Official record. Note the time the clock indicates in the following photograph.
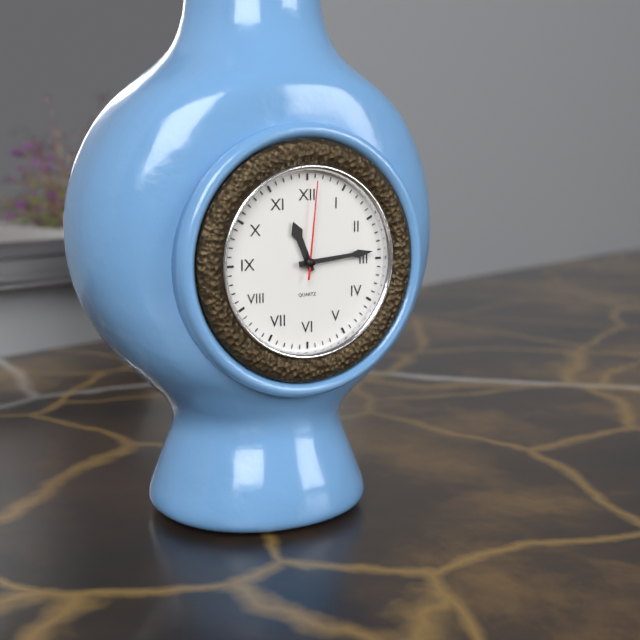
11:14:01
